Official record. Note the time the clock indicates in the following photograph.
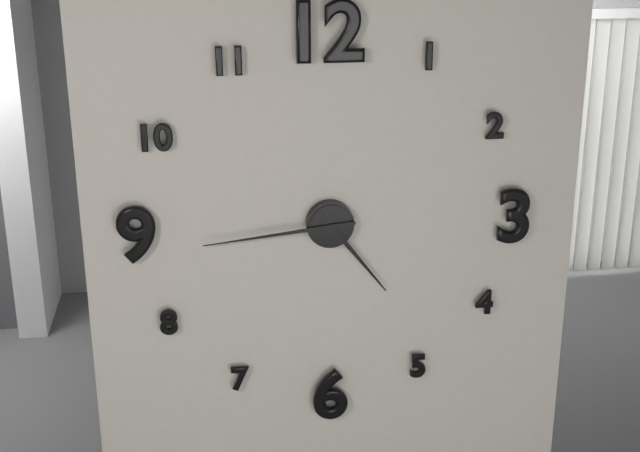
4:44
